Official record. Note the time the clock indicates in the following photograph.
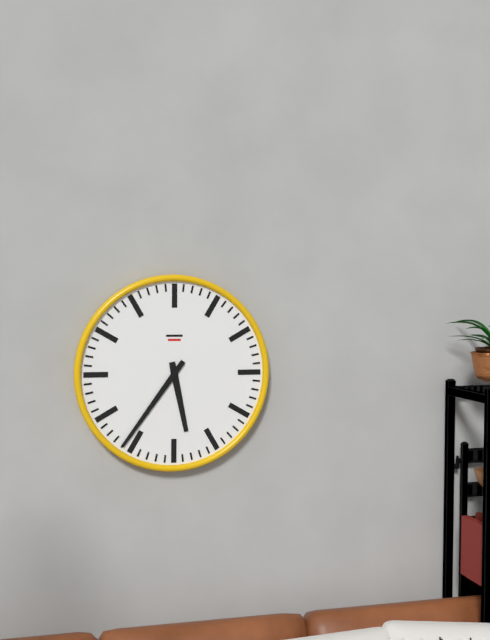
5:36
